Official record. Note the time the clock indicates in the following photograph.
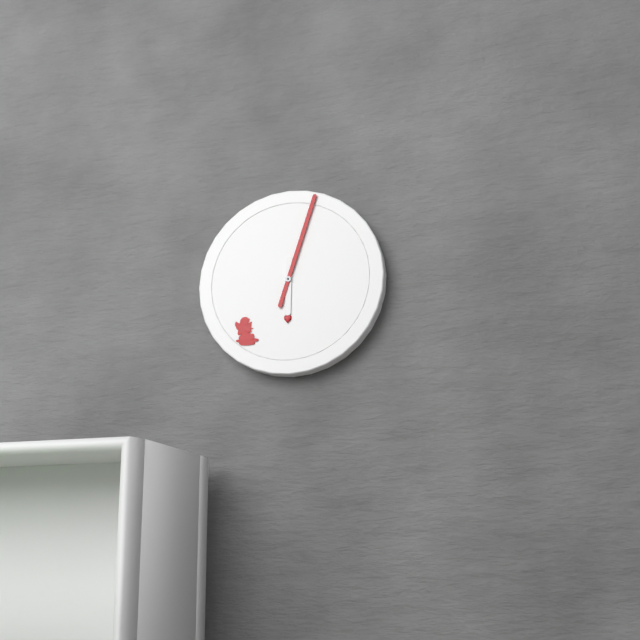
6:03
